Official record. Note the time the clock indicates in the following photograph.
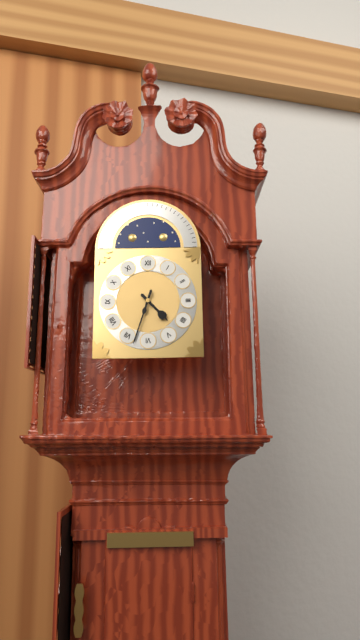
4:33
